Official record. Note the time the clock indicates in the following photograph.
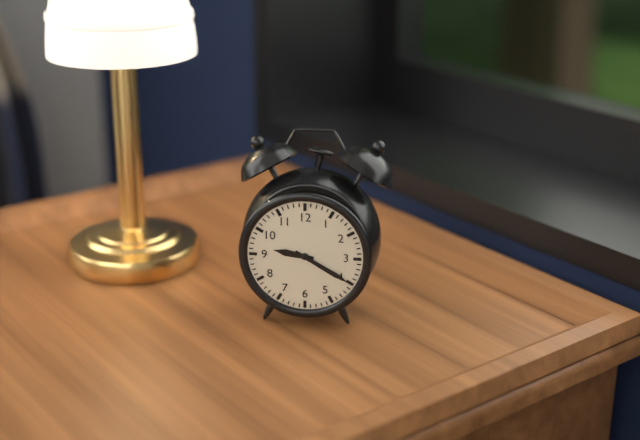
9:20
